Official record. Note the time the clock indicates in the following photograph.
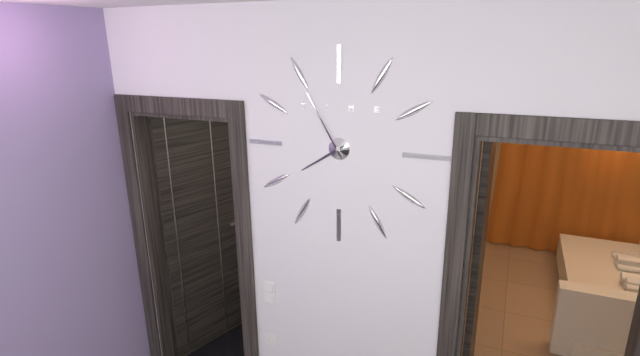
7:55
